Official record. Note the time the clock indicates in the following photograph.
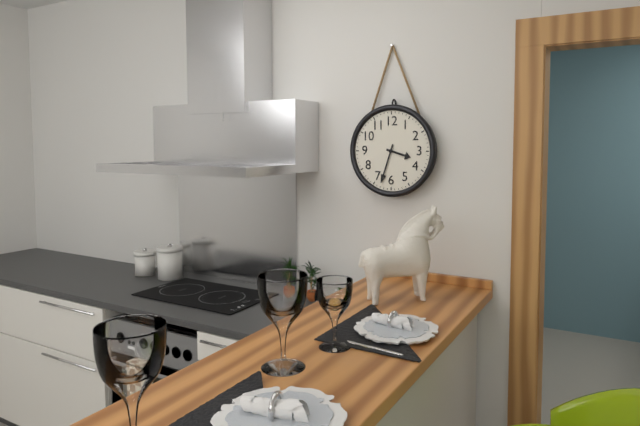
3:33
